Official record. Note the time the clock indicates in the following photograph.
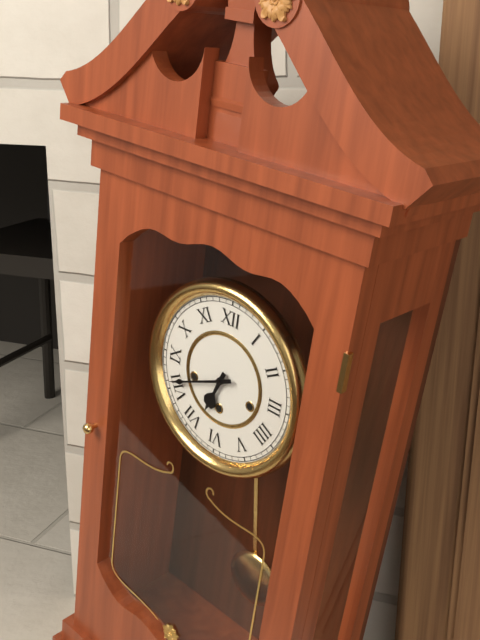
6:41
